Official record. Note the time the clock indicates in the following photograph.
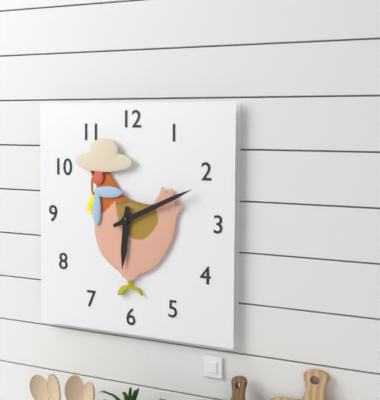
6:11
